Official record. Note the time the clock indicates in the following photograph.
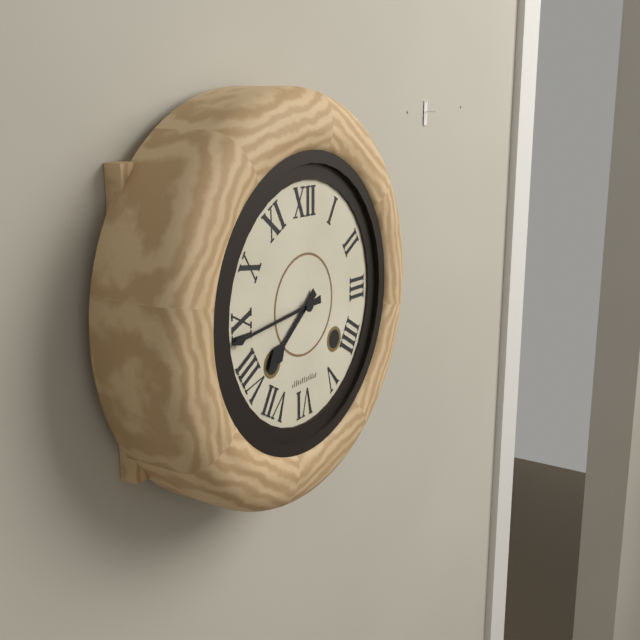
7:44
